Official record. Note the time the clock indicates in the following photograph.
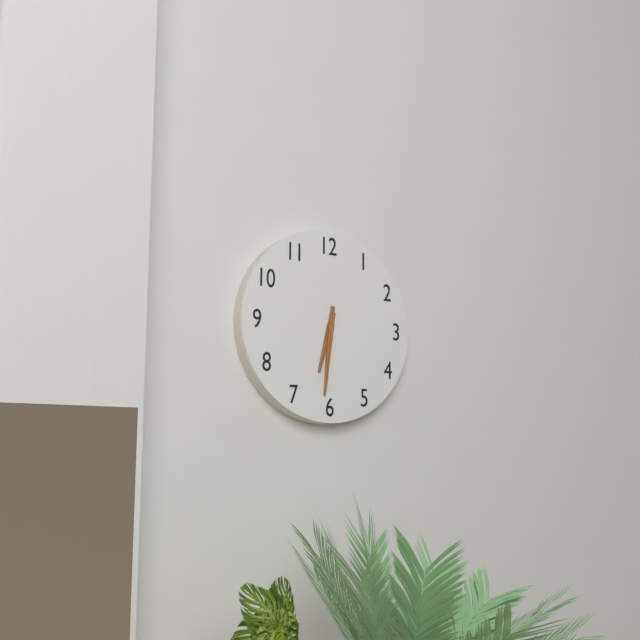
6:31
